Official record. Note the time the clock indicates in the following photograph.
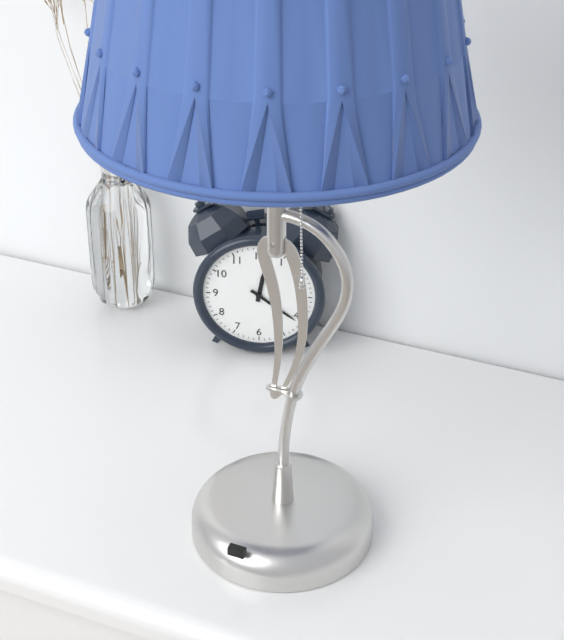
12:21
